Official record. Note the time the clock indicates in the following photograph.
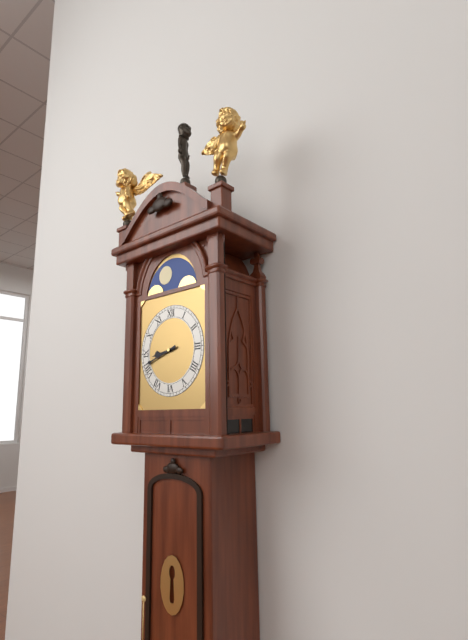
8:42
